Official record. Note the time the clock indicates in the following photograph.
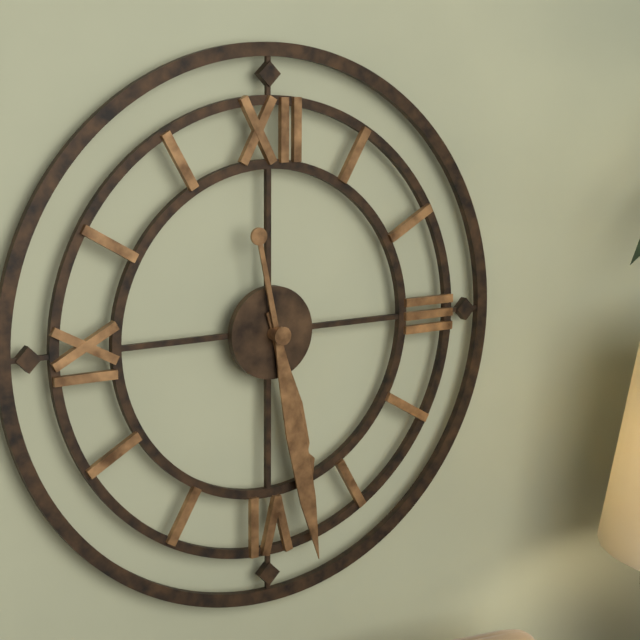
5:28
